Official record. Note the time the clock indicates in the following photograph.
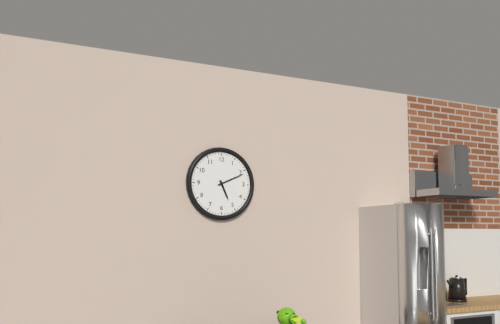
5:11
